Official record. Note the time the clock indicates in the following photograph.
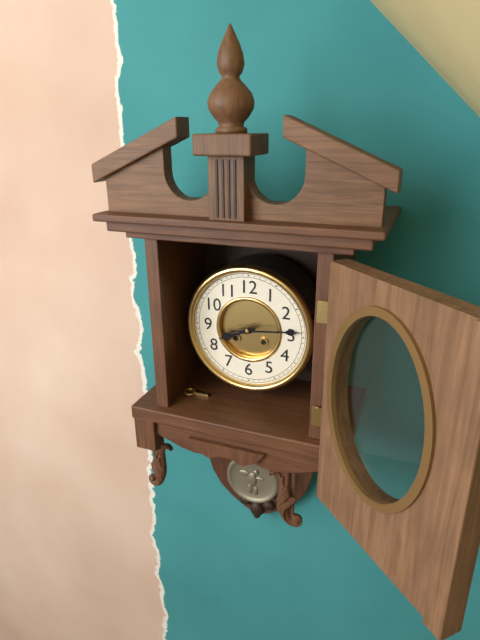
8:14
